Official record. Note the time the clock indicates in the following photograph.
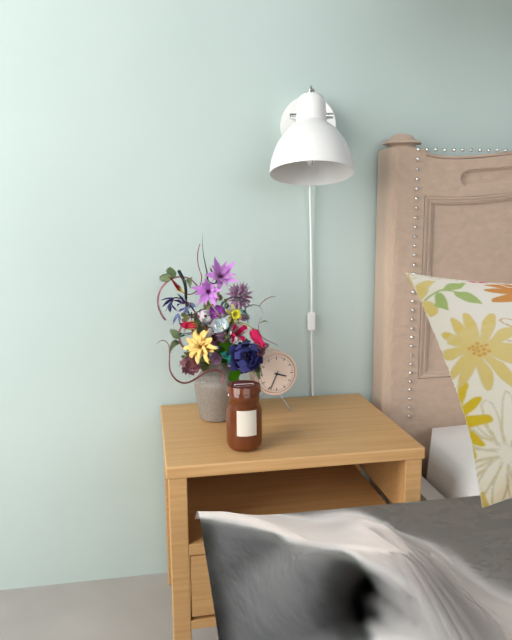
3:34
